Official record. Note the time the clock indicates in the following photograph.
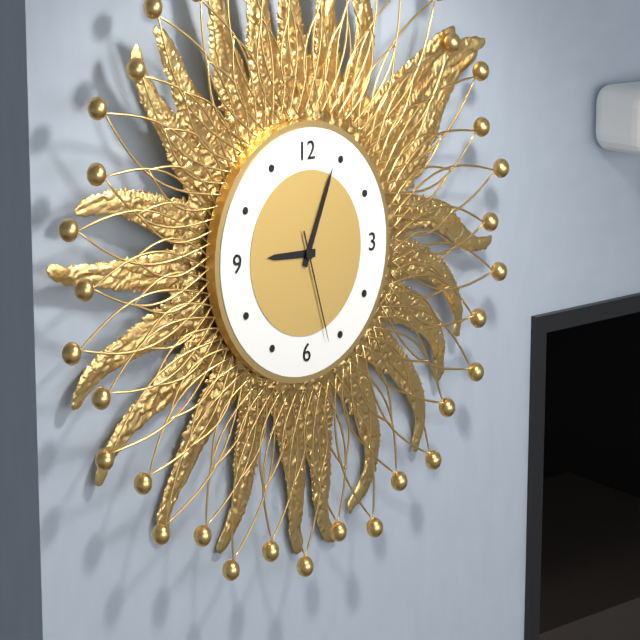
9:04:27
